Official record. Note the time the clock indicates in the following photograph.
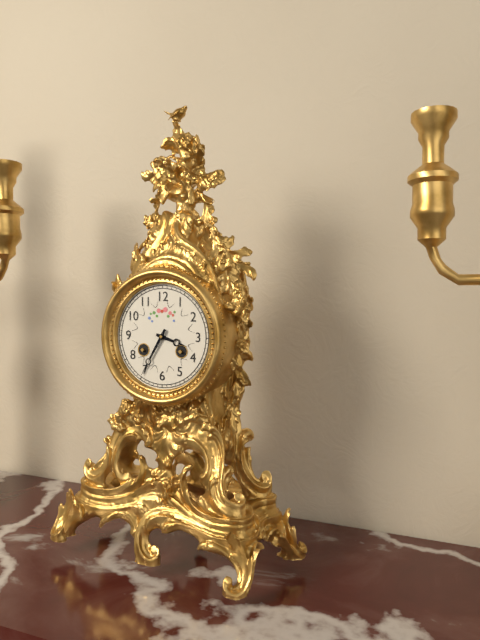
3:35
